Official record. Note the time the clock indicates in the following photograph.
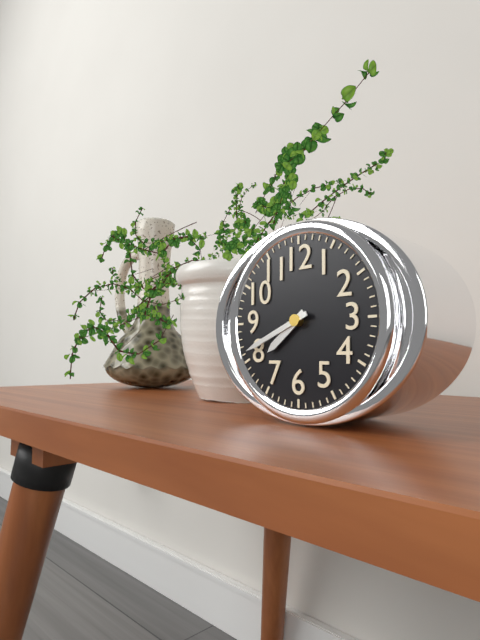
7:41
